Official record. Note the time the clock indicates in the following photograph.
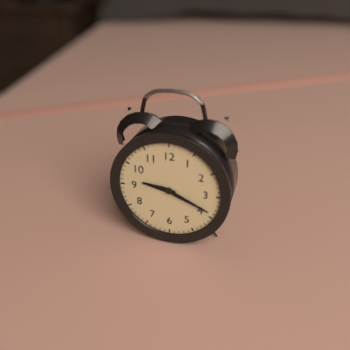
9:19
